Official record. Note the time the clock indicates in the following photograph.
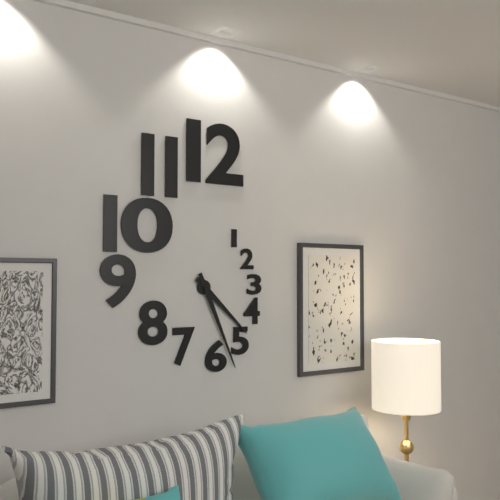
4:26
